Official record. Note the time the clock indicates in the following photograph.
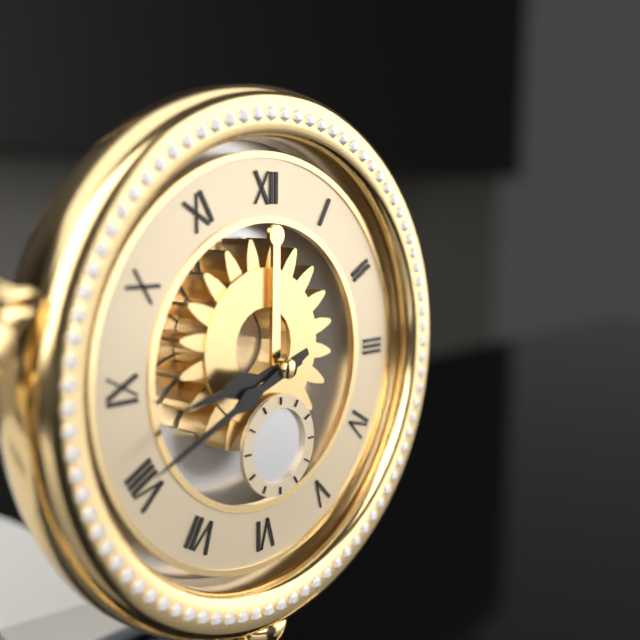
8:41
